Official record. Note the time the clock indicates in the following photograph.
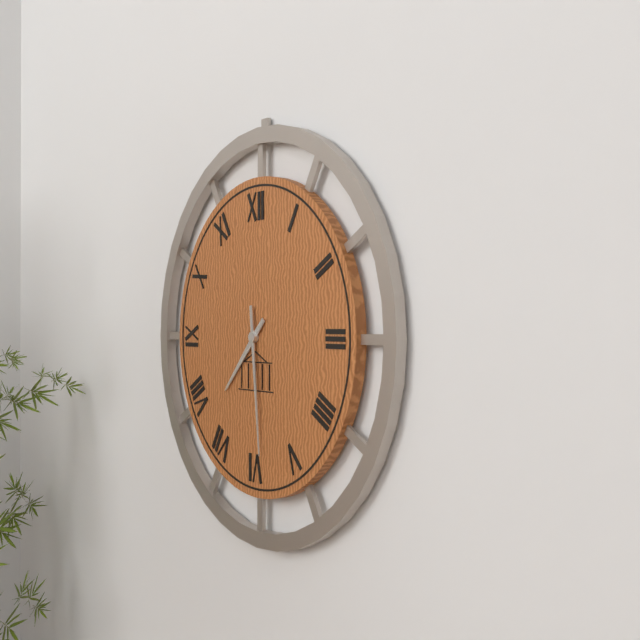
7:29
